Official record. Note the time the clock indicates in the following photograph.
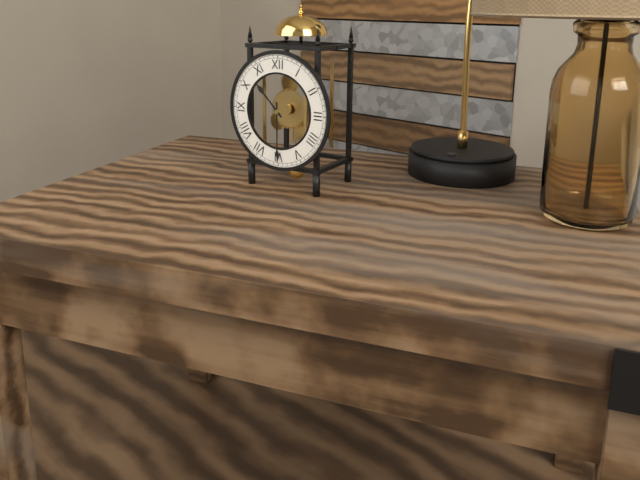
10:30
